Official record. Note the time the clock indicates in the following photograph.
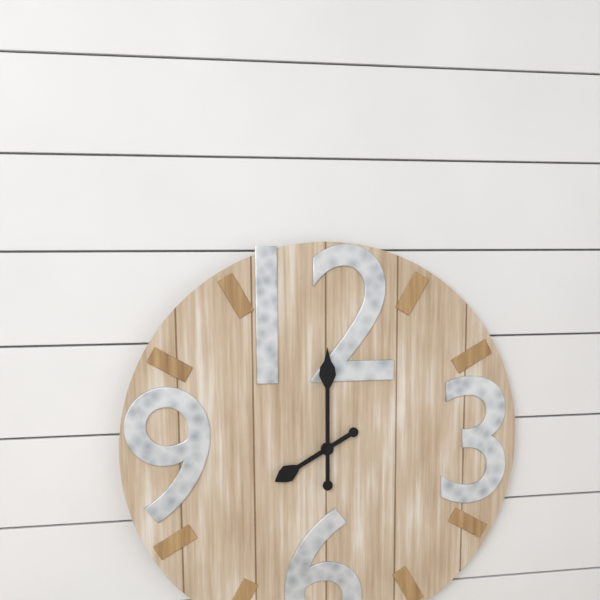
8:00
